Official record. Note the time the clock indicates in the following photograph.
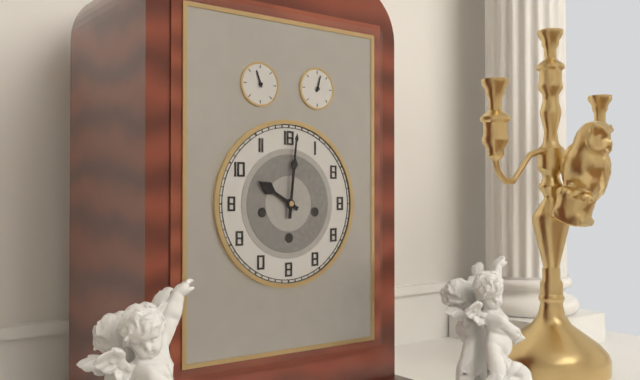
10:01
